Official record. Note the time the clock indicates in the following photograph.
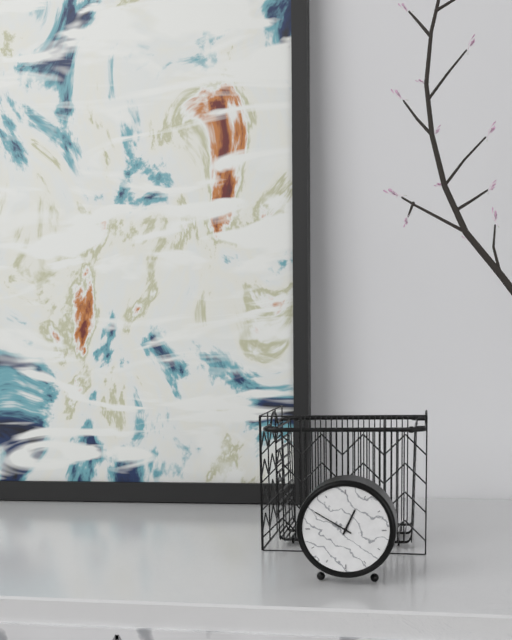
12:50
